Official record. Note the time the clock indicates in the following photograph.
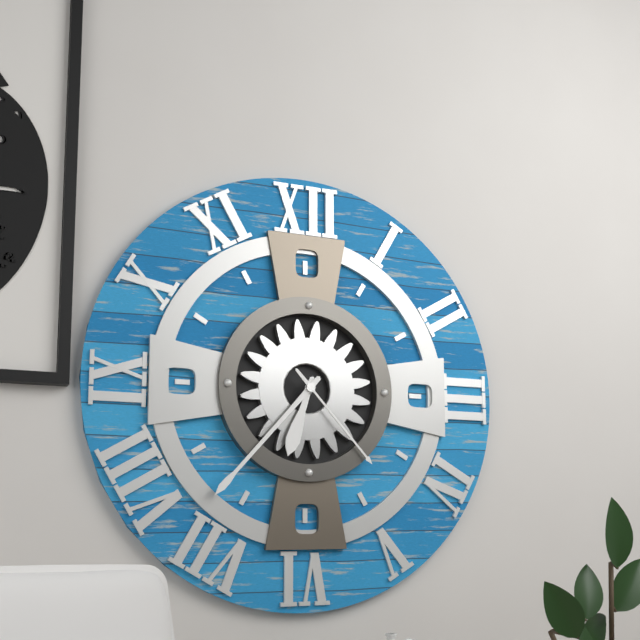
6:37:23
